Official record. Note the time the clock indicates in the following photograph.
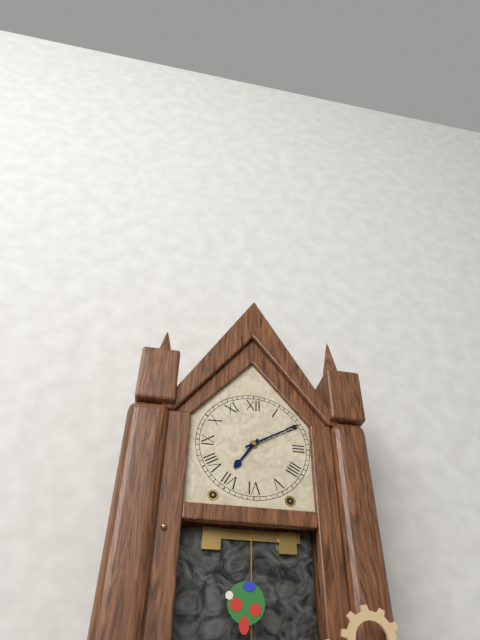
7:10
